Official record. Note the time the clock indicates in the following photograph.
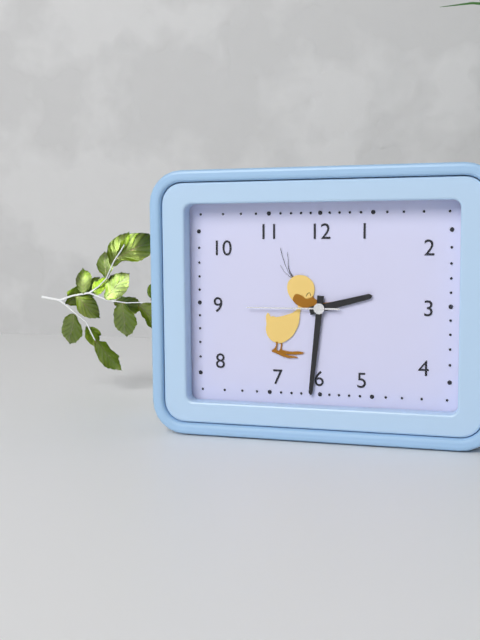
2:31:45
